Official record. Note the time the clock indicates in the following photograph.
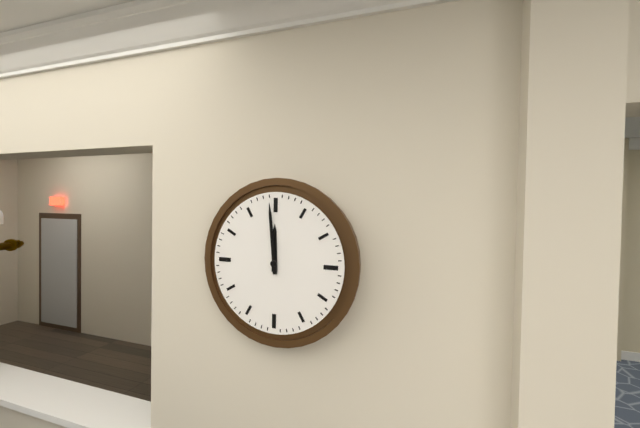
11:59
